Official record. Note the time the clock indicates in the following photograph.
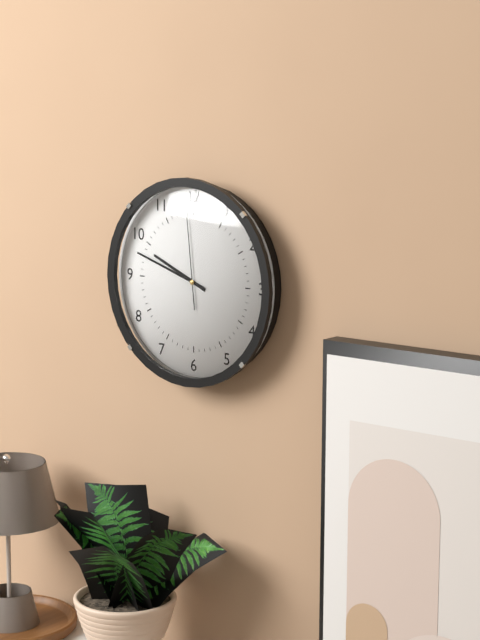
9:48:59
